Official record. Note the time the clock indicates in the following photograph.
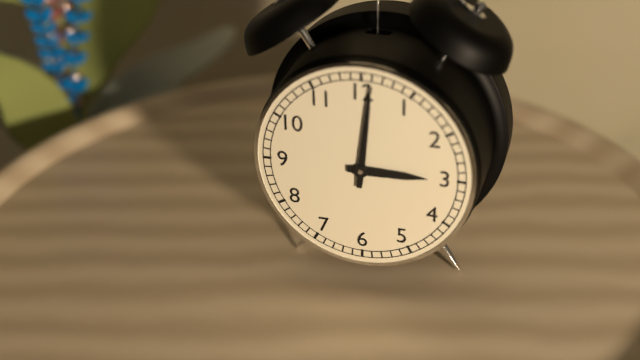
3:01
